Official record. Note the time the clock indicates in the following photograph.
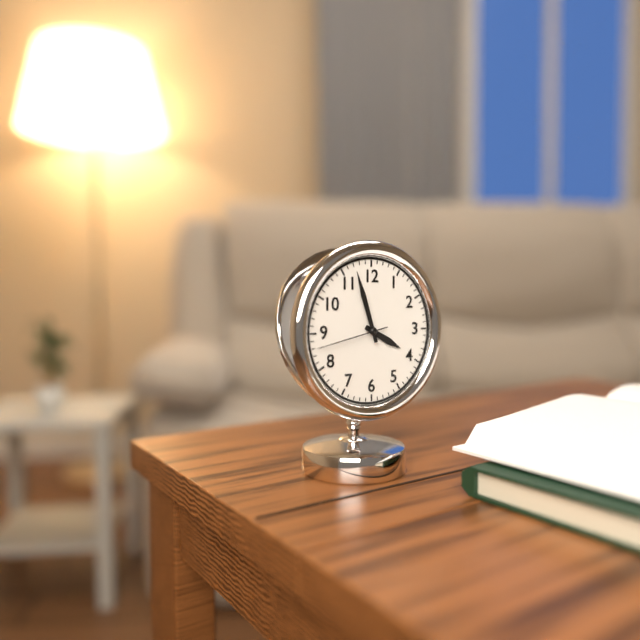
3:57:43
